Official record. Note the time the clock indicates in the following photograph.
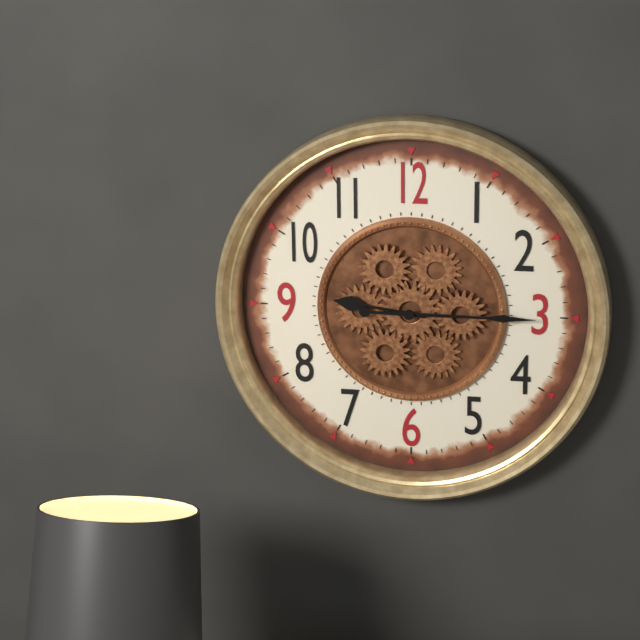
9:15
